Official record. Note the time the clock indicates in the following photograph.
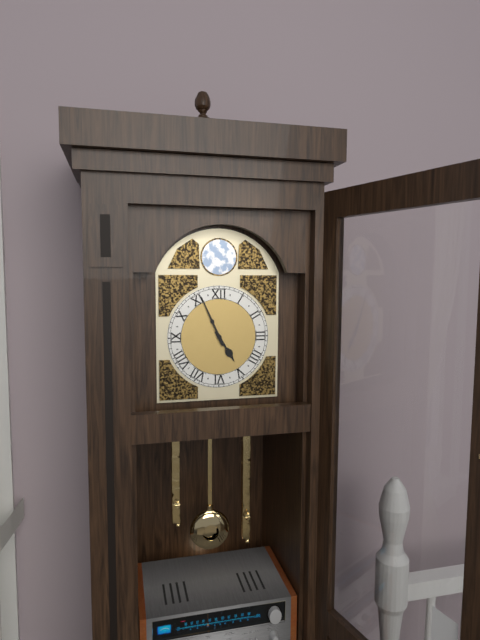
4:56
